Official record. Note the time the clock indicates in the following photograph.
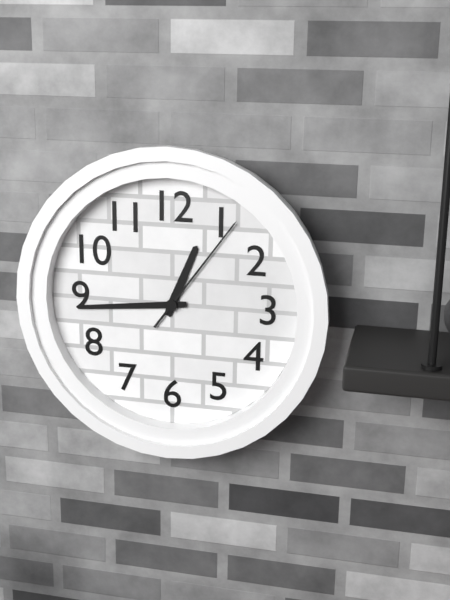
12:44:06
